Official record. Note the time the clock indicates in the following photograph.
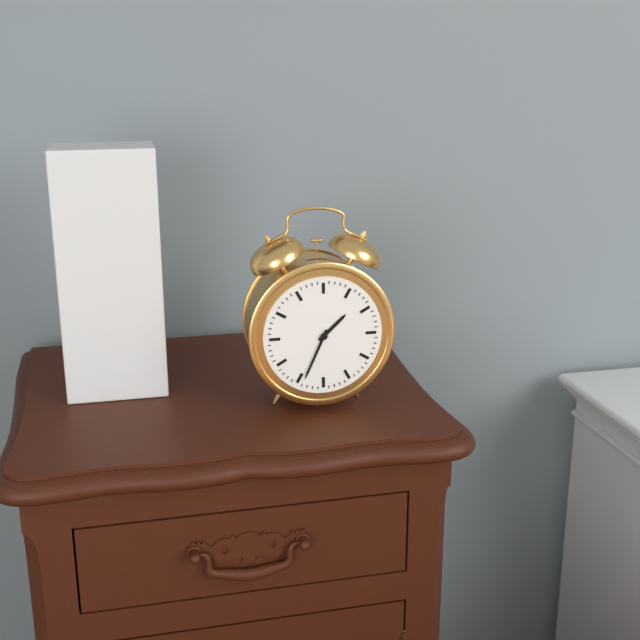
1:34
